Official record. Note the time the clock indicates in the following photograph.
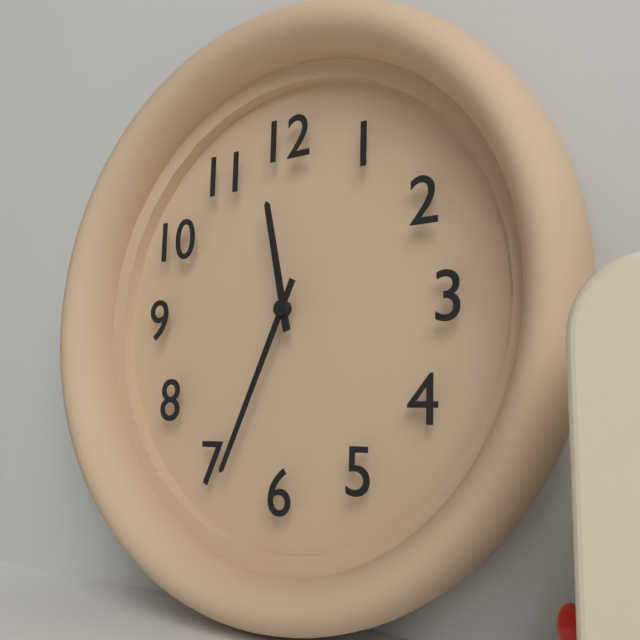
11:34
